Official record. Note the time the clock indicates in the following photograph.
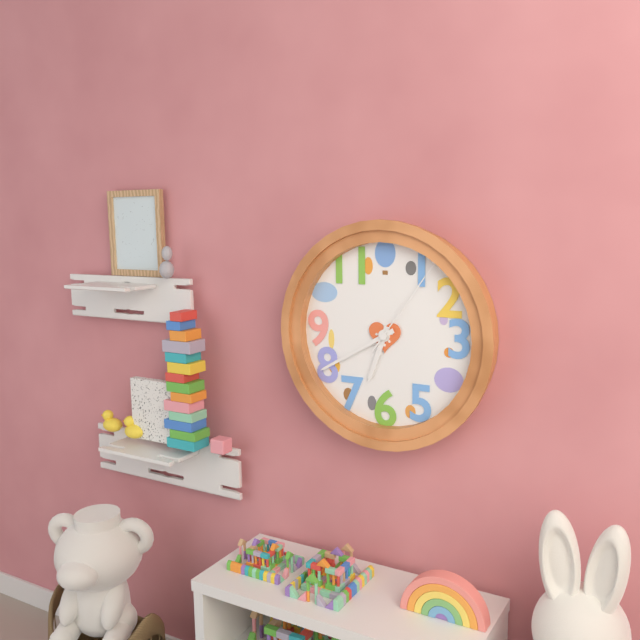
6:40:06
